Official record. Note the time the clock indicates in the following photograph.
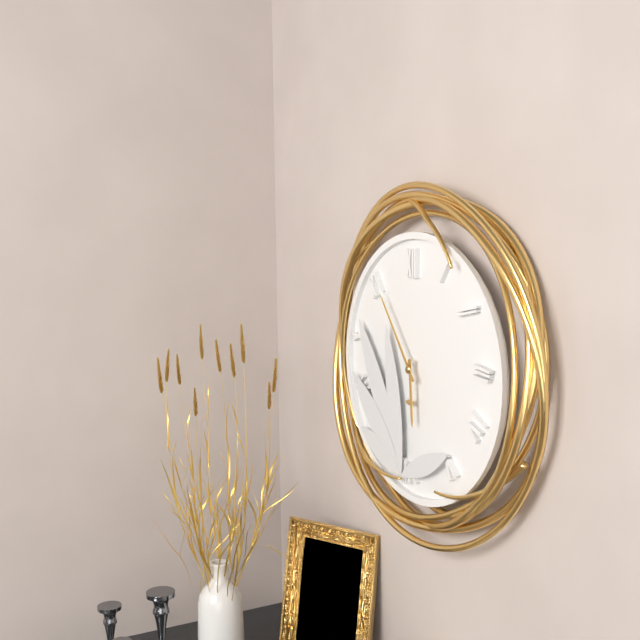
5:54
